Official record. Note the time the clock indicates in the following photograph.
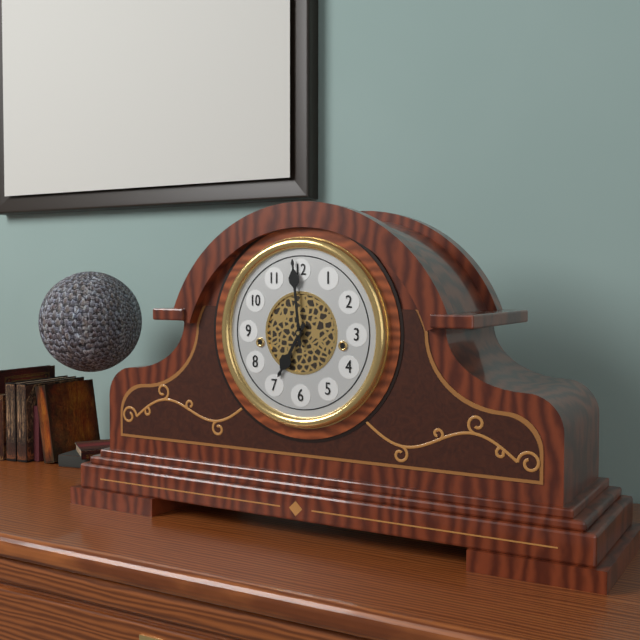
6:59
